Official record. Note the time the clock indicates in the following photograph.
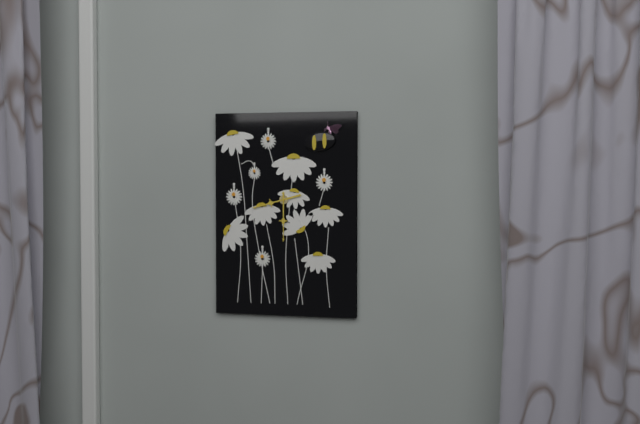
8:30
